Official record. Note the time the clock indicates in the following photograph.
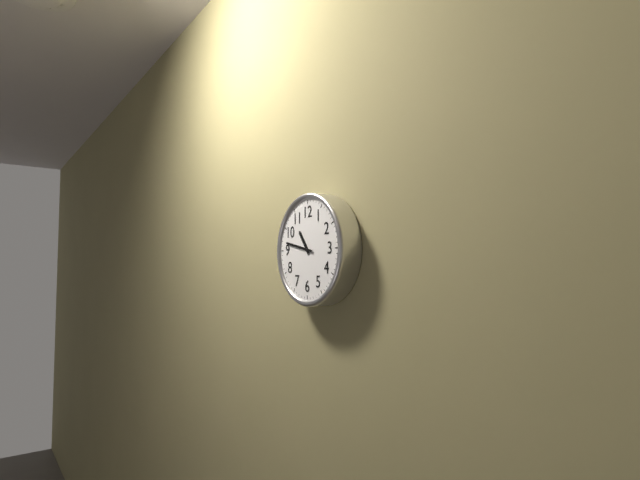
10:47
